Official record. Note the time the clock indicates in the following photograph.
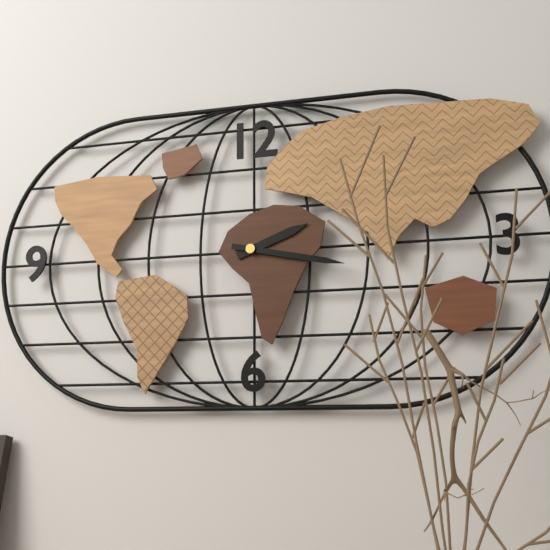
2:17
